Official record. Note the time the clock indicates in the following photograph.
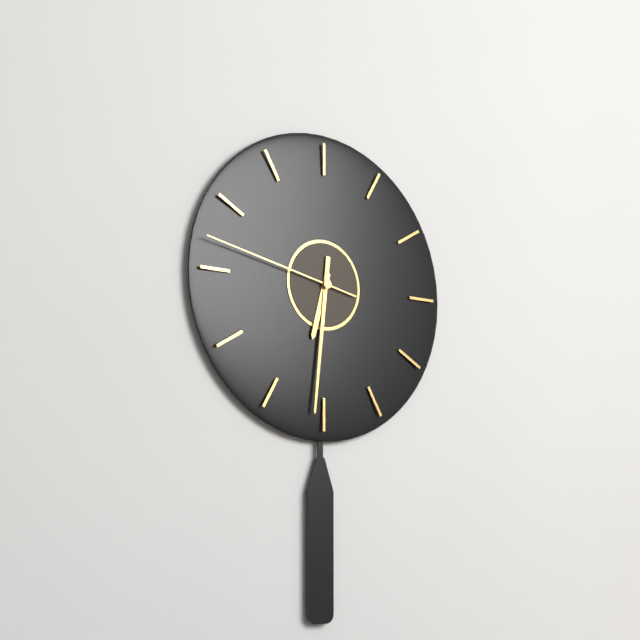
6:31:47
